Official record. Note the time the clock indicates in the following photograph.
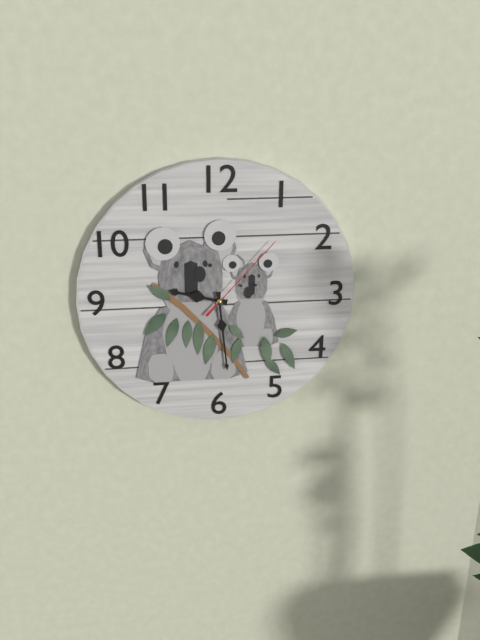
9:29:07
